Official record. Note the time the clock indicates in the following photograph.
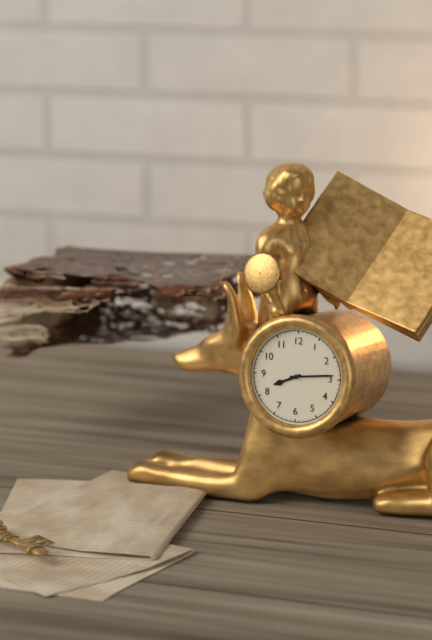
8:14
